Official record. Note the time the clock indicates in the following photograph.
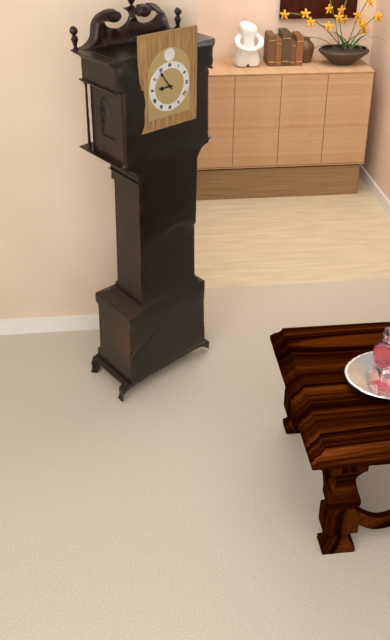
8:54
